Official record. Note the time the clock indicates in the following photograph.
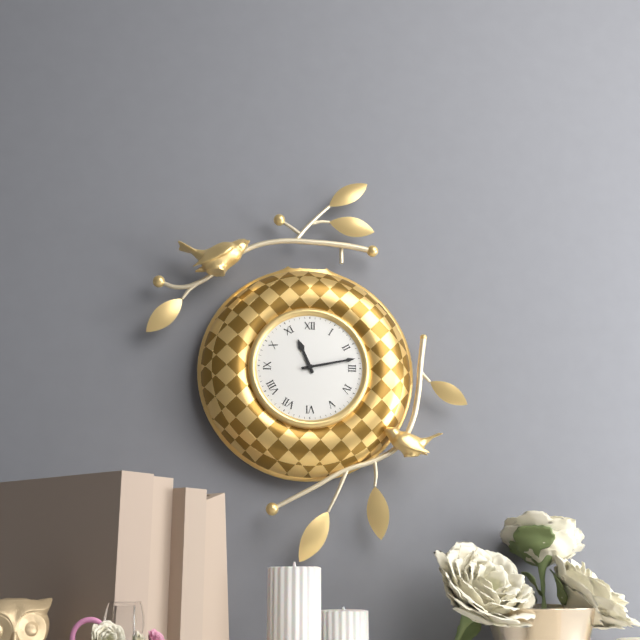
11:13
